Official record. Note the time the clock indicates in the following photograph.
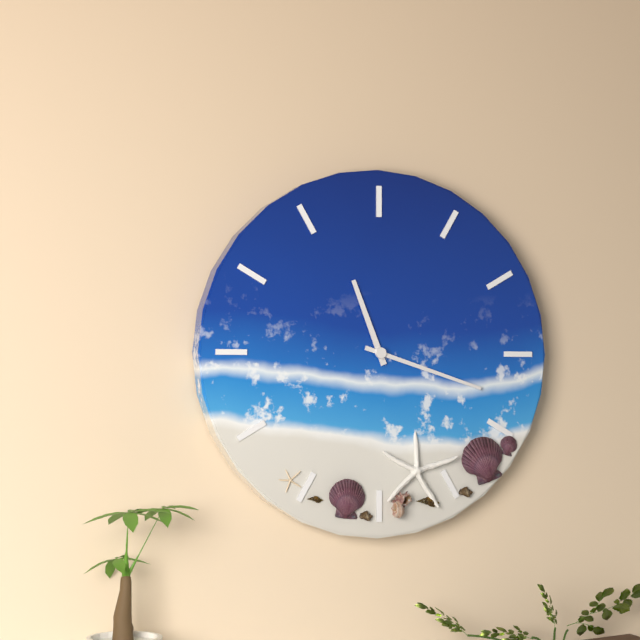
11:18
